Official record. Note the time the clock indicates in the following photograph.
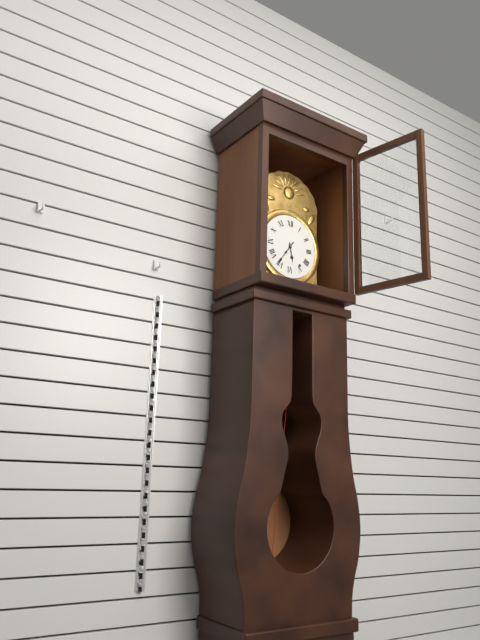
5:36
